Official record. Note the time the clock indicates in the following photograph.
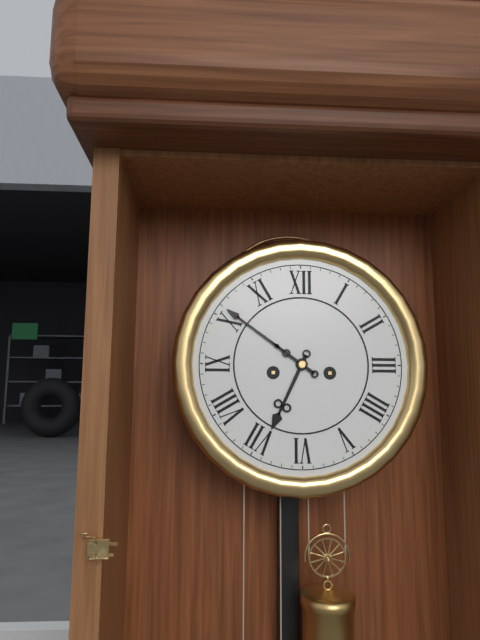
6:51
